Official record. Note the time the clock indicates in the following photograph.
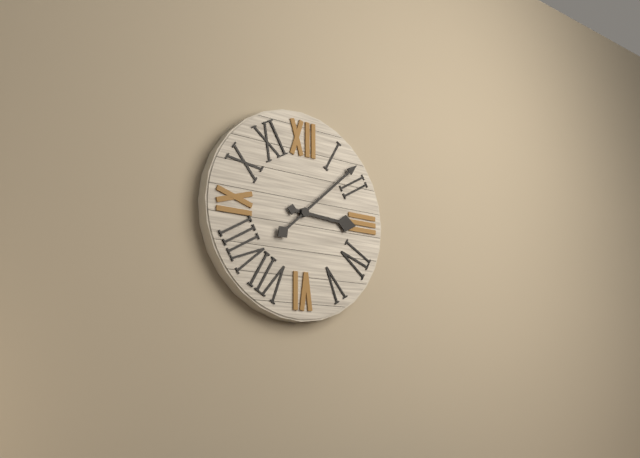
3:08
